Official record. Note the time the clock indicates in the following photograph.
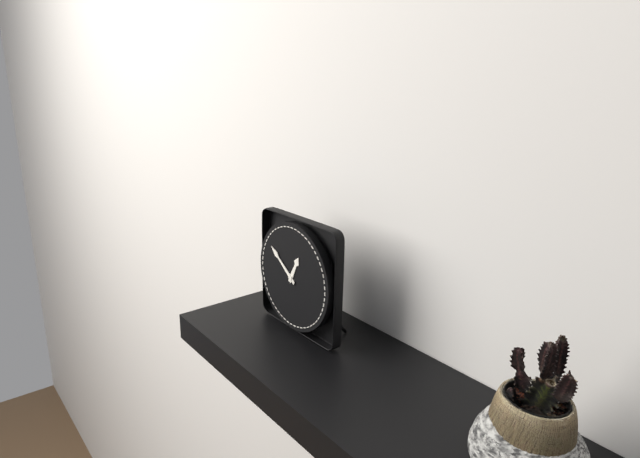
12:51
